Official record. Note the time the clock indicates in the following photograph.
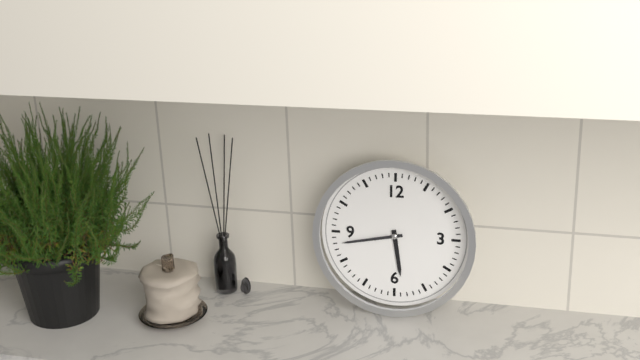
5:43
